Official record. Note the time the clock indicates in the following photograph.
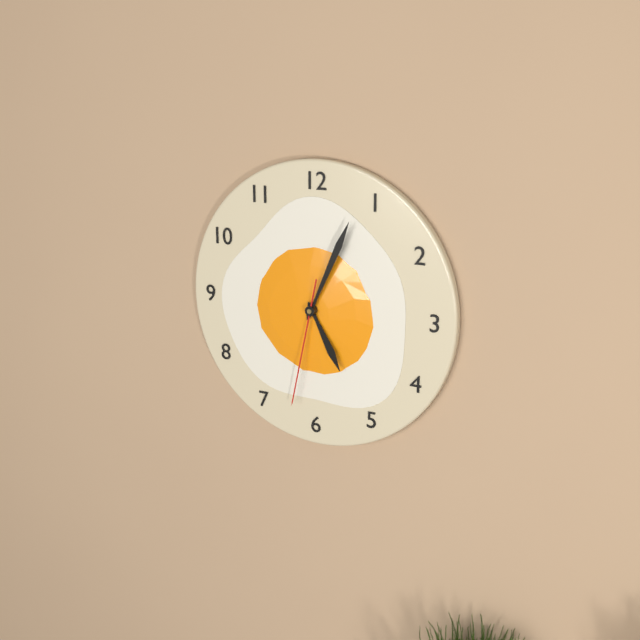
5:04:32
